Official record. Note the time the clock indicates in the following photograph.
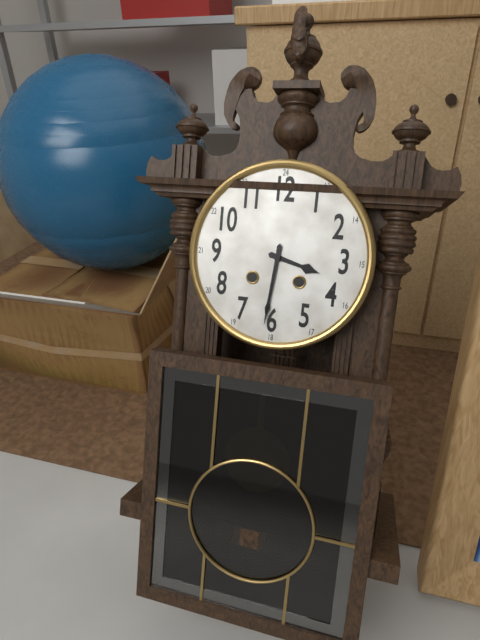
3:31
